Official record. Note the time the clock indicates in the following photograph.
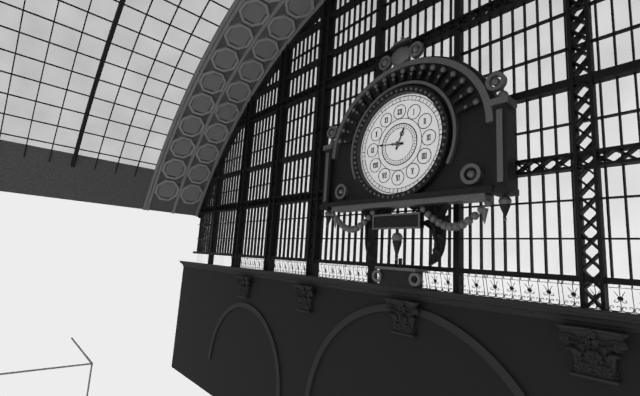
12:46
